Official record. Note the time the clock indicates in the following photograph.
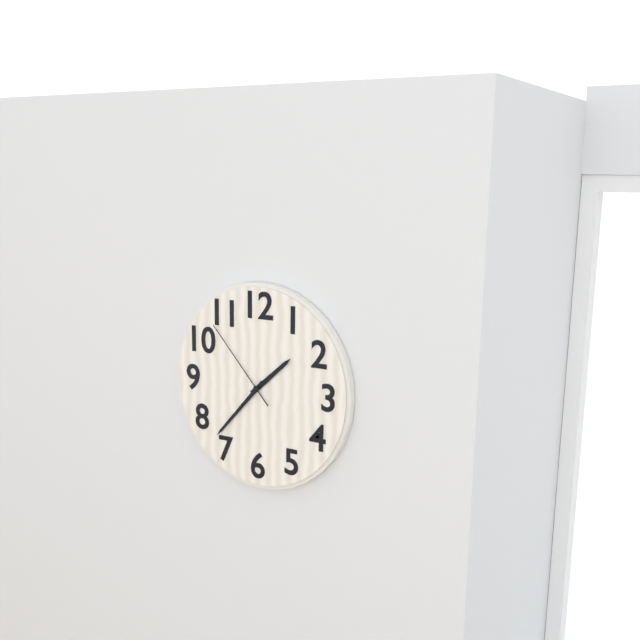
1:37:53
